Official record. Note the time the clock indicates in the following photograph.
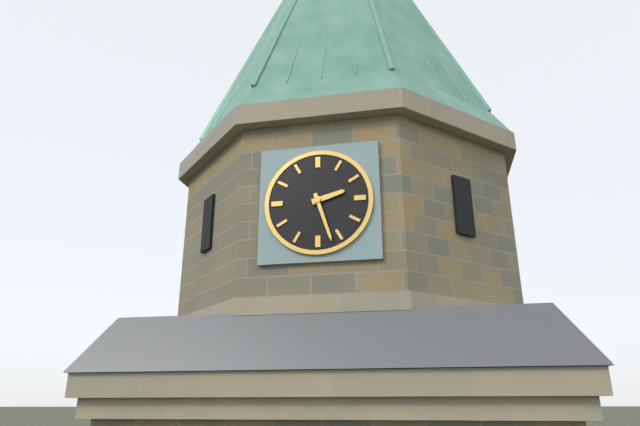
2:27
